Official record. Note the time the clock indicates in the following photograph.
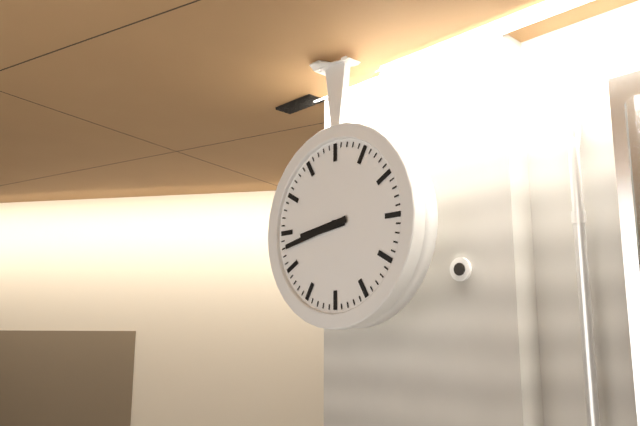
8:43
